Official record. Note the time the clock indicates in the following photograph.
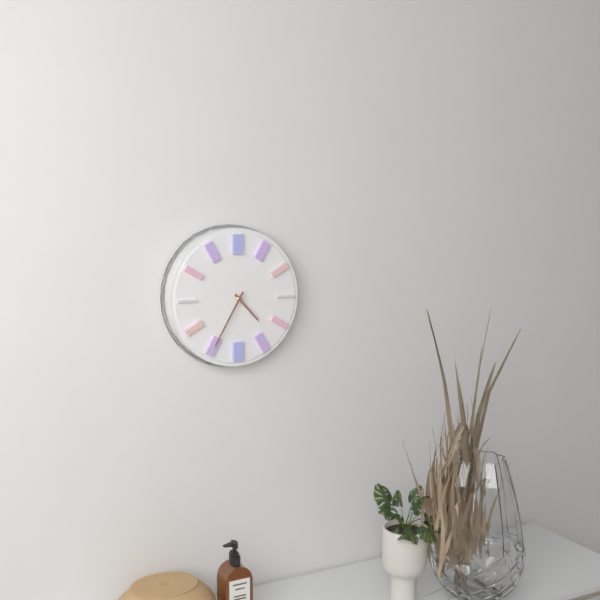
4:35
